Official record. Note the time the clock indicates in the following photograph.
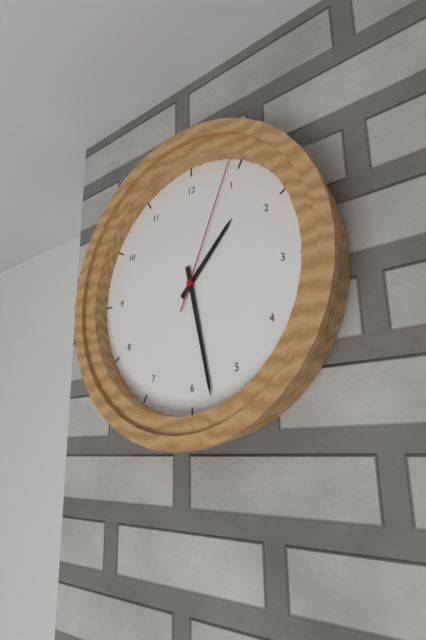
1:28:04
